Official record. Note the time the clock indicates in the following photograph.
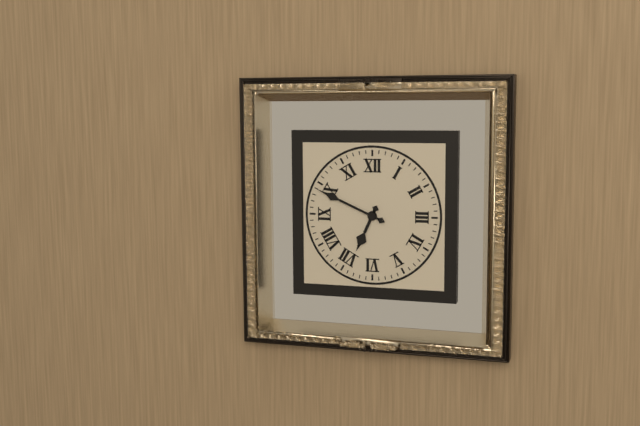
6:49
